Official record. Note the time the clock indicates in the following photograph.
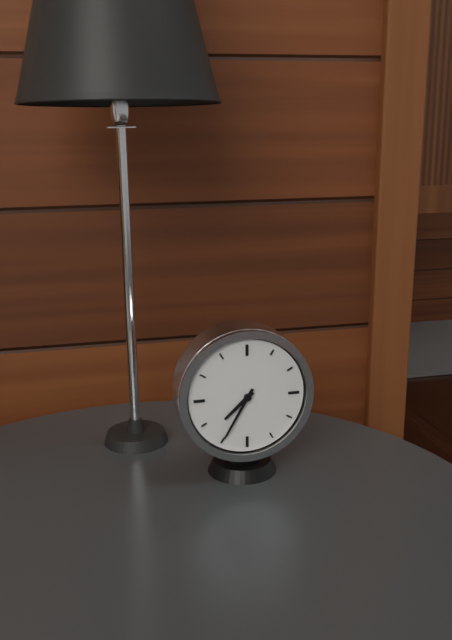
7:35
